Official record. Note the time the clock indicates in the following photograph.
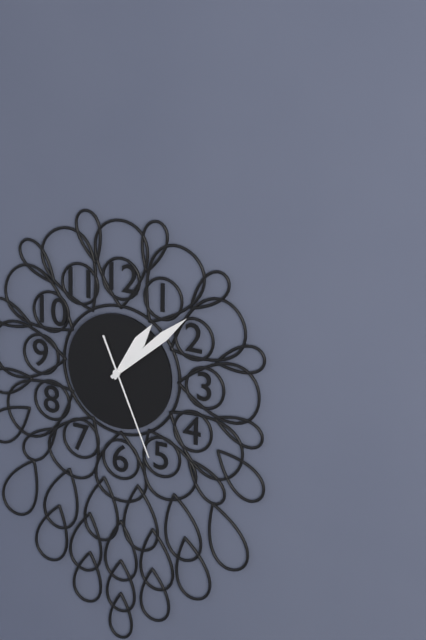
1:08:26
